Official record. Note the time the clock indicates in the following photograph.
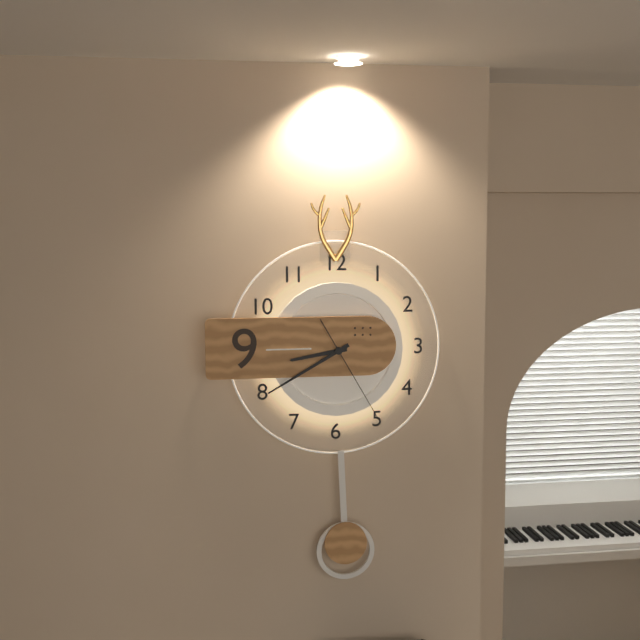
8:40:25
